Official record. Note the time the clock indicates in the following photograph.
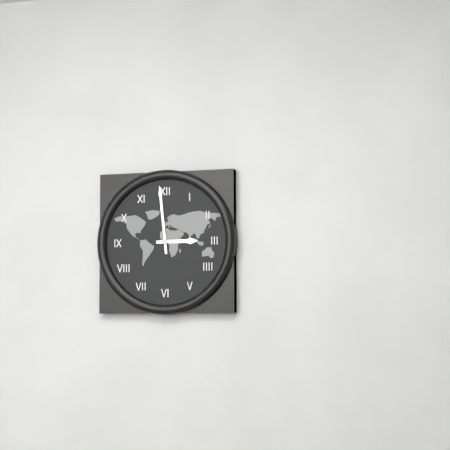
2:59
